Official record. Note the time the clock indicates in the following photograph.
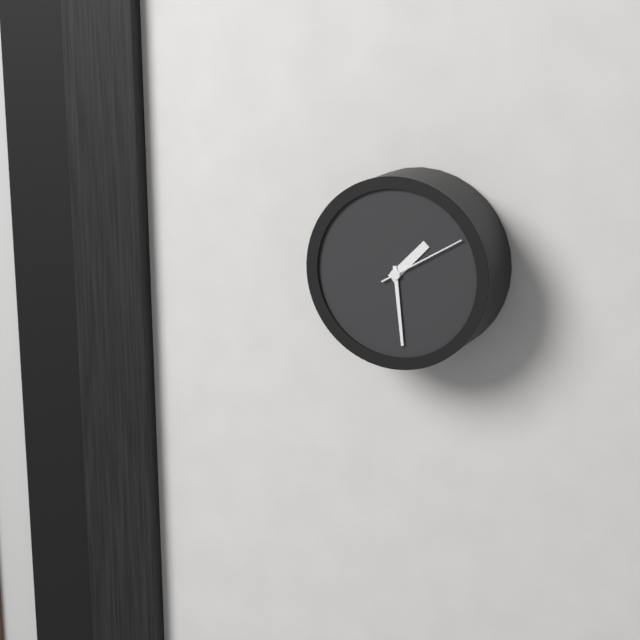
1:29:10
